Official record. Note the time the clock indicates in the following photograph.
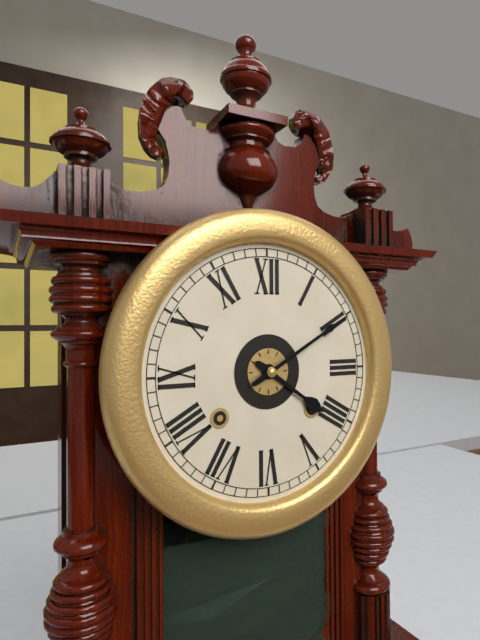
4:10
